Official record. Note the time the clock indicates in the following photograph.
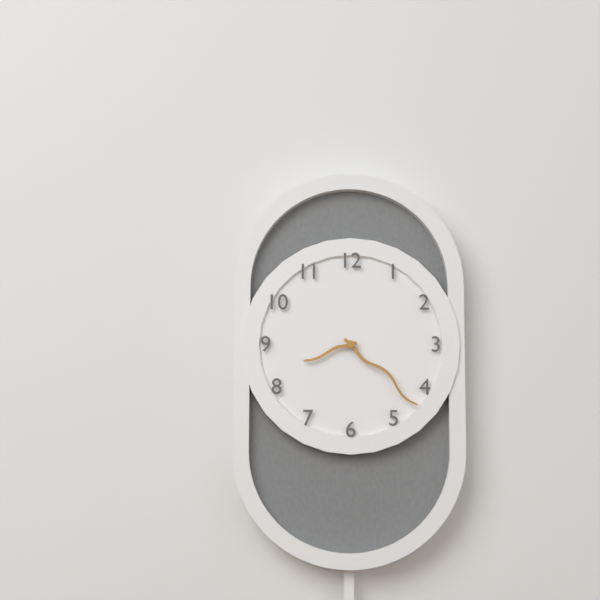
8:22
